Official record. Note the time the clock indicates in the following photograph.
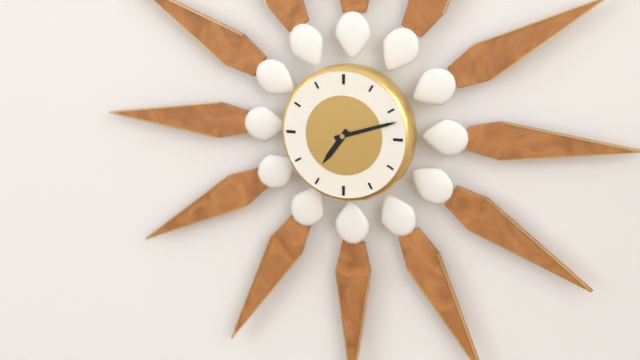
7:12
